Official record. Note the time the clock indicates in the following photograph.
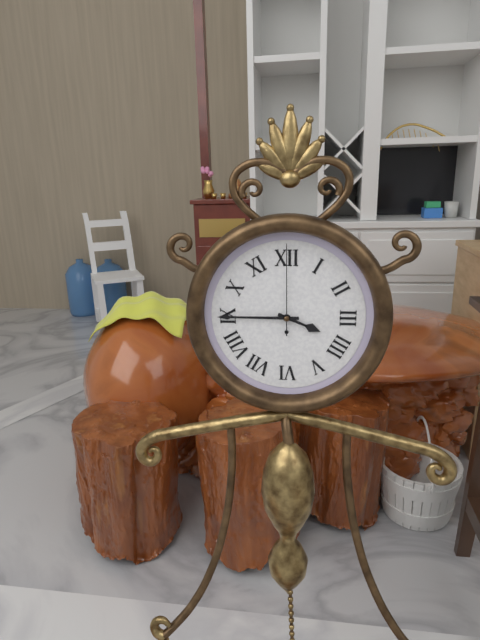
3:45:00
